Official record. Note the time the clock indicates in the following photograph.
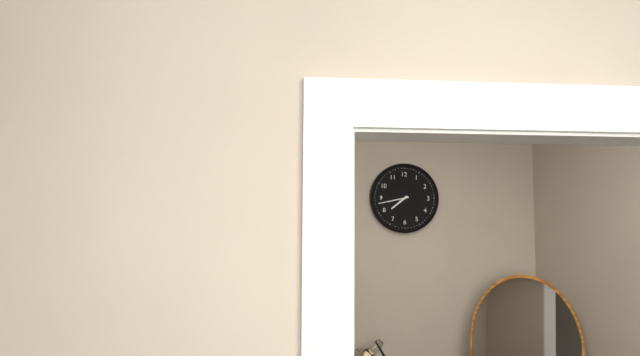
7:43
